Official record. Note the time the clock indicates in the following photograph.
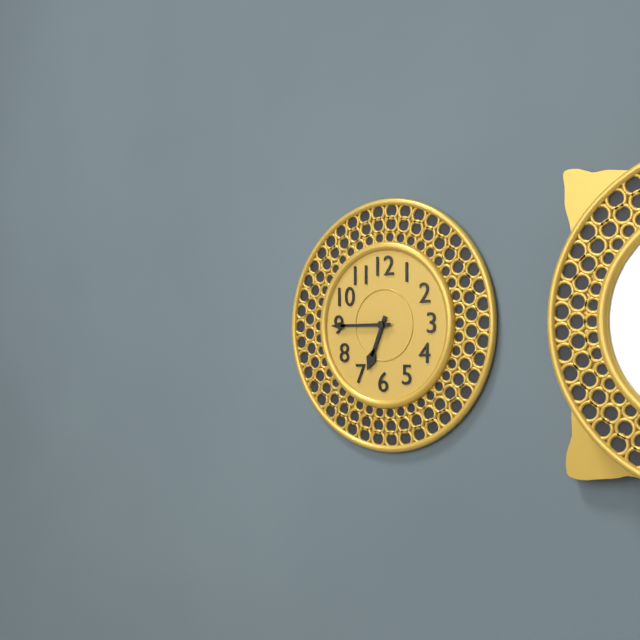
6:45
